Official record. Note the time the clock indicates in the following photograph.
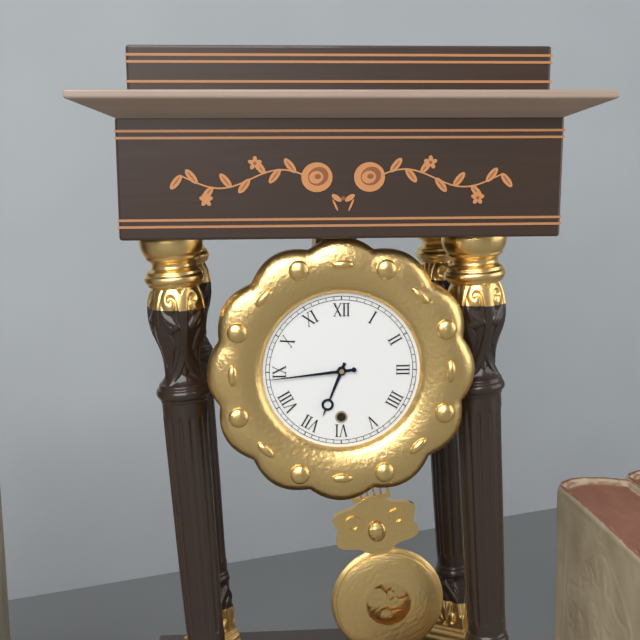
6:44
